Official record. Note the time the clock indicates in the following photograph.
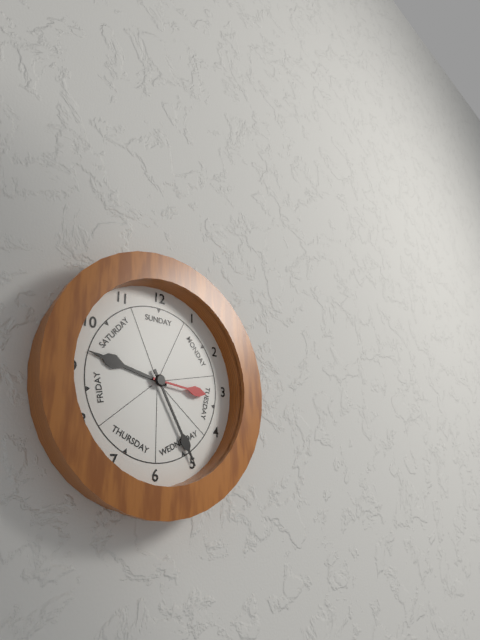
9:25:16
